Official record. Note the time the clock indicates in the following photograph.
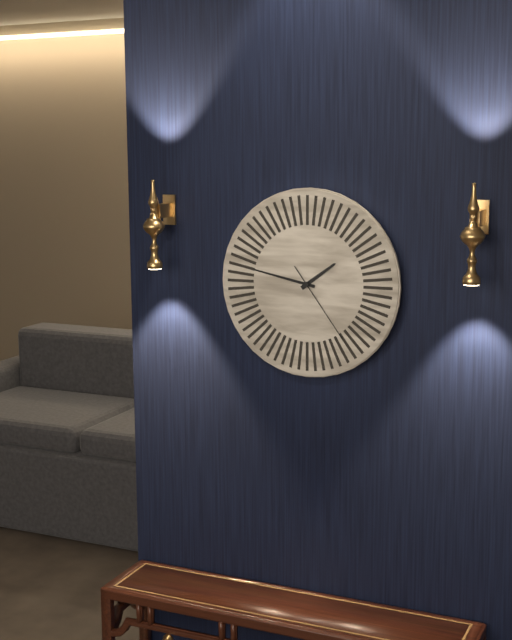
1:47:24
